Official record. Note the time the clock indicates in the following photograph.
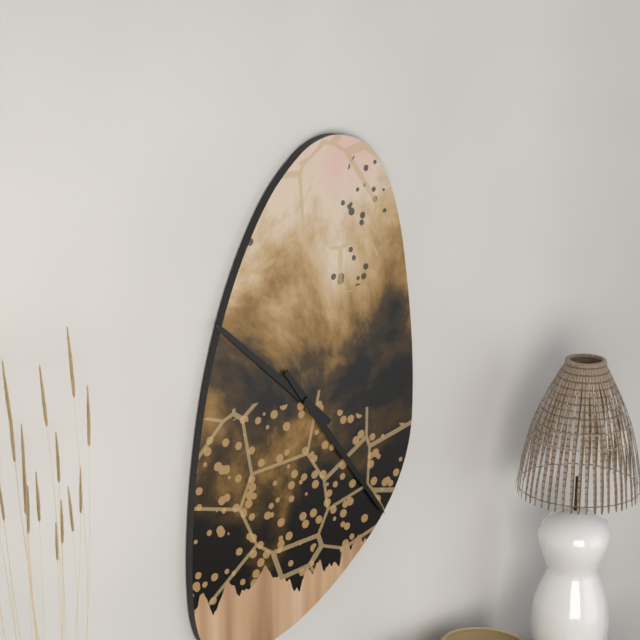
10:24
